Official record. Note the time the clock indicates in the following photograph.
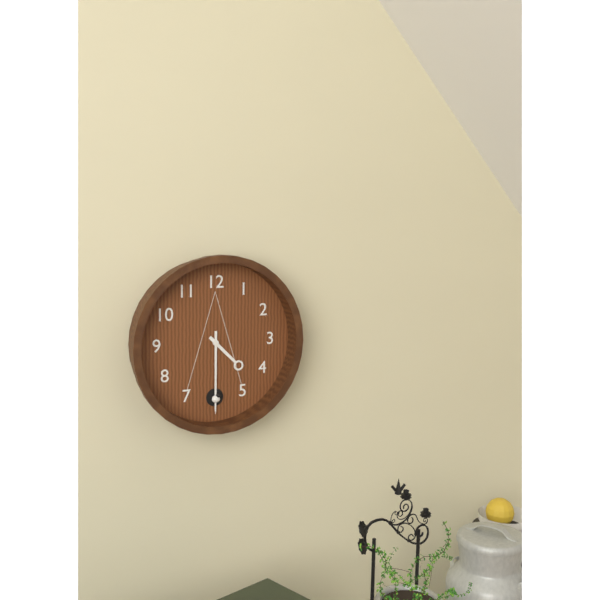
4:30
